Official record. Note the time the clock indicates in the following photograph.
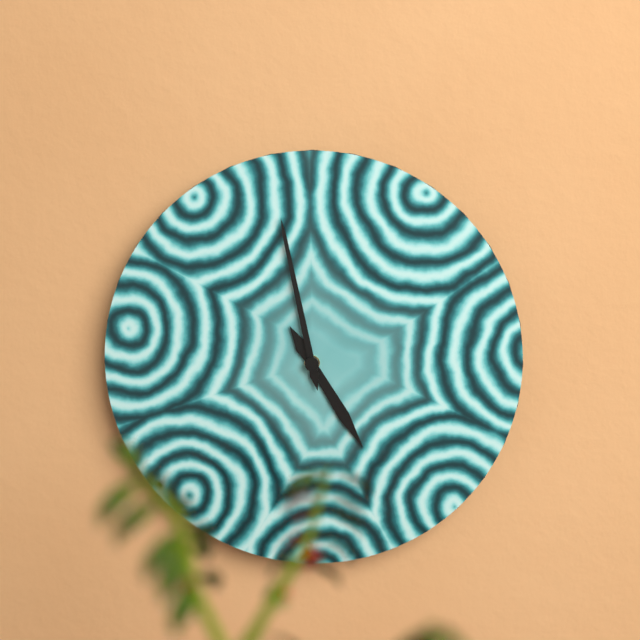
4:58
